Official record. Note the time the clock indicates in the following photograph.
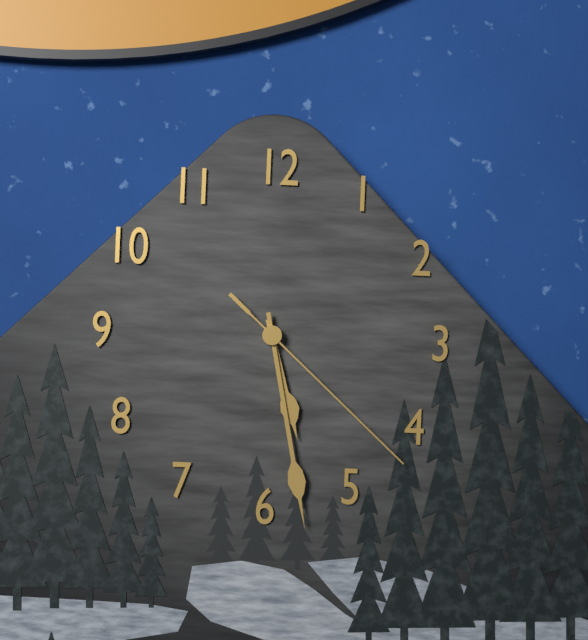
5:28:22
